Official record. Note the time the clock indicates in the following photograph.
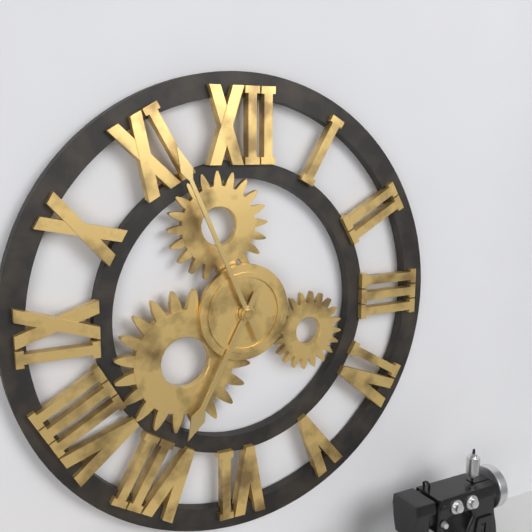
6:56
